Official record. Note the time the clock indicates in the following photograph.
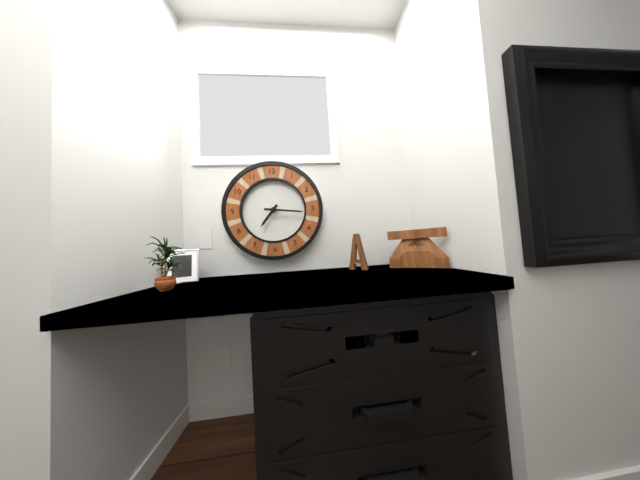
7:16
